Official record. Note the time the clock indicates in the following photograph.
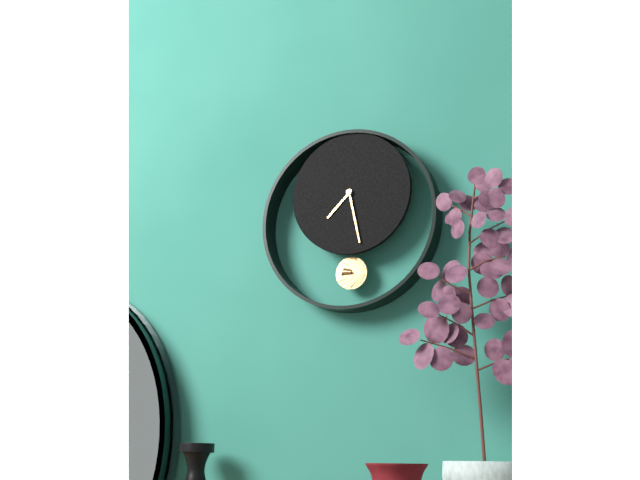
7:28
